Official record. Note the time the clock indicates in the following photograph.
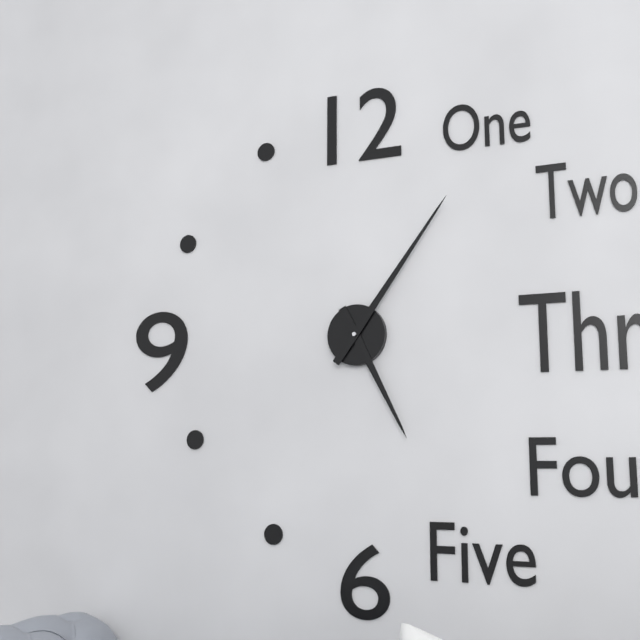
5:06
